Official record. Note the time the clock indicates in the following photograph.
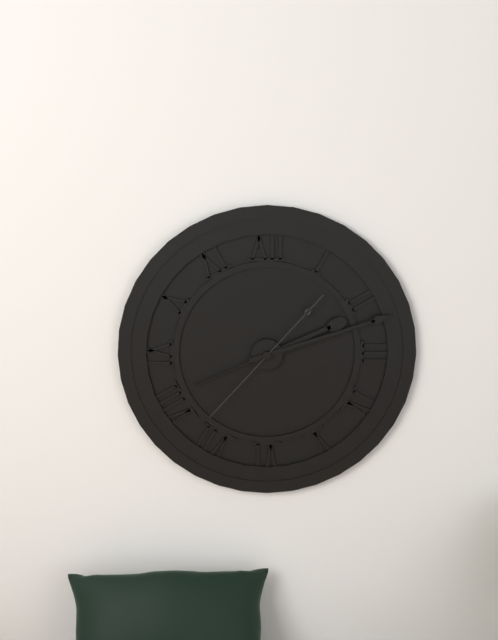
2:12:37
